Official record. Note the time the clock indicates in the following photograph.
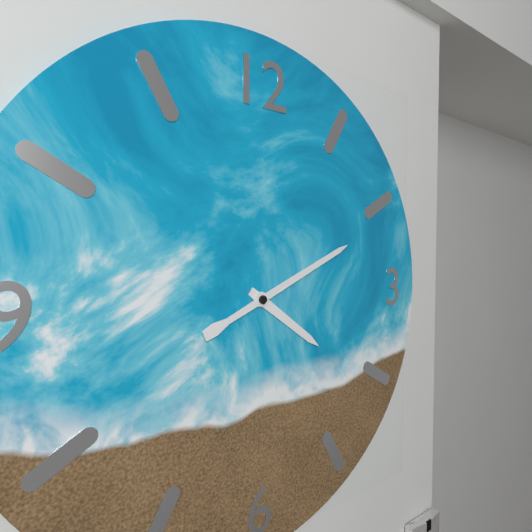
4:11
